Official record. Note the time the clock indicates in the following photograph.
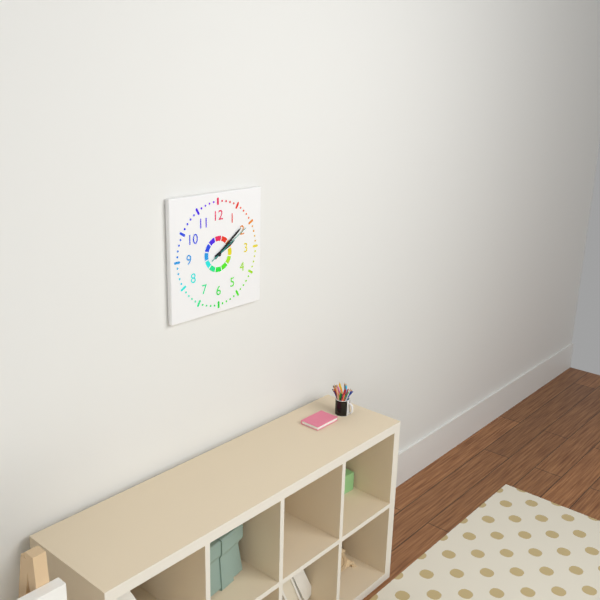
2:09
